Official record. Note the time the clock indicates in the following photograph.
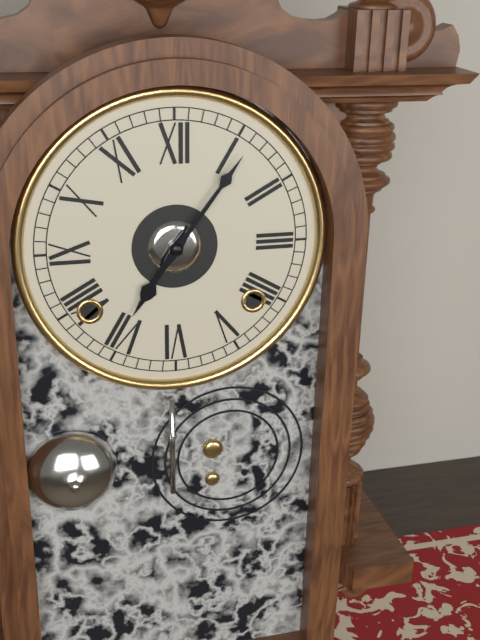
7:06
